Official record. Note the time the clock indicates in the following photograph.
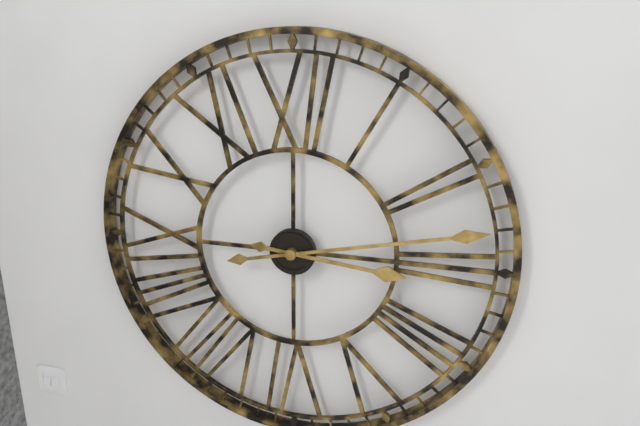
3:13
